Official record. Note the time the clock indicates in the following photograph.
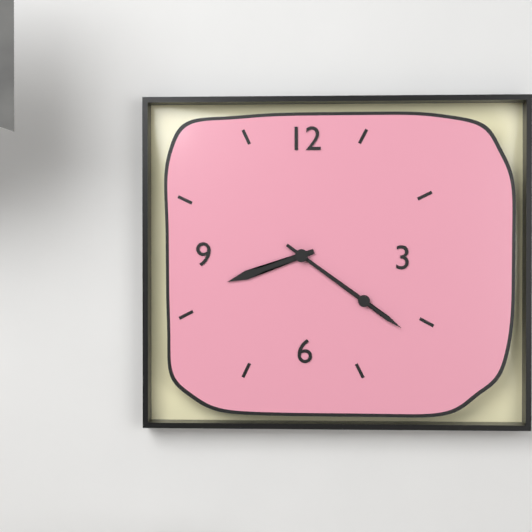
8:21
